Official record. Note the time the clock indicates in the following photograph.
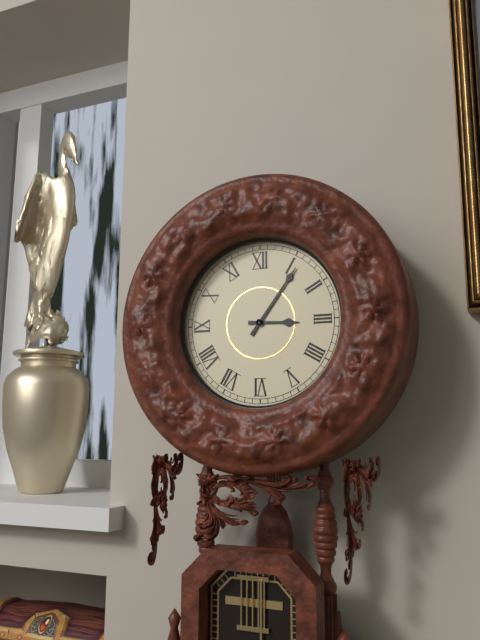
3:06
